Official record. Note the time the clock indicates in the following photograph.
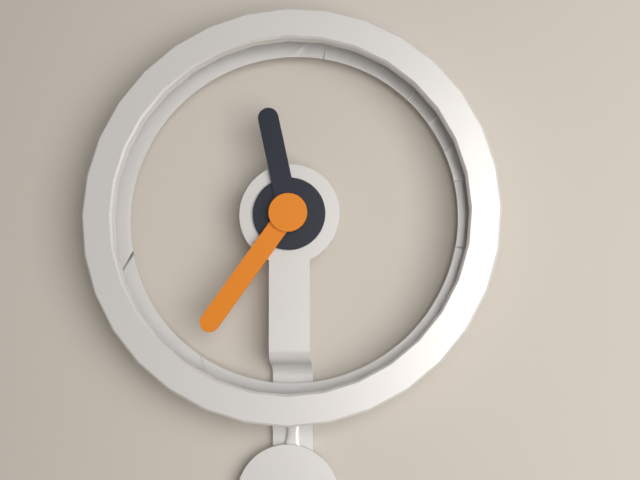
11:36
